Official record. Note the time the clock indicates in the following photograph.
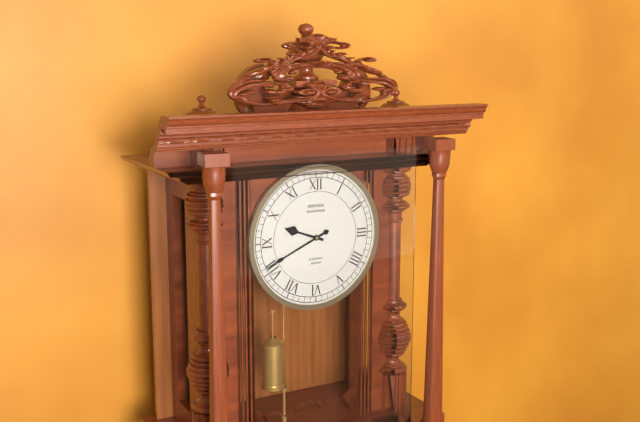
9:41
